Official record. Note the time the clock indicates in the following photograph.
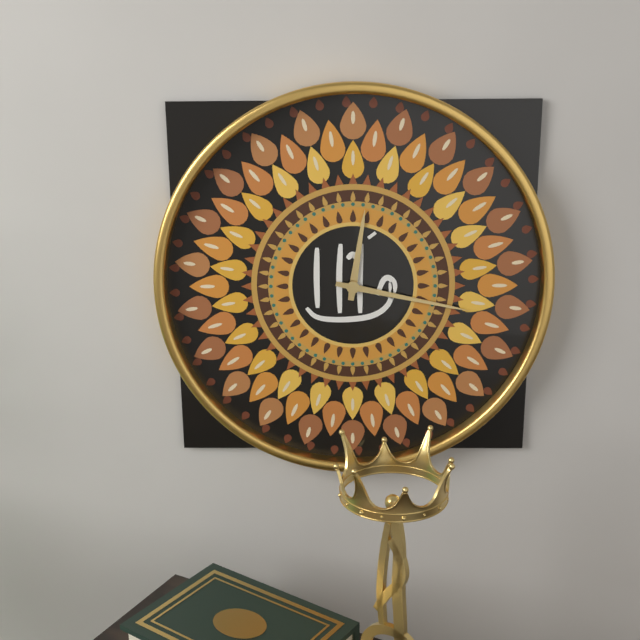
12:17
